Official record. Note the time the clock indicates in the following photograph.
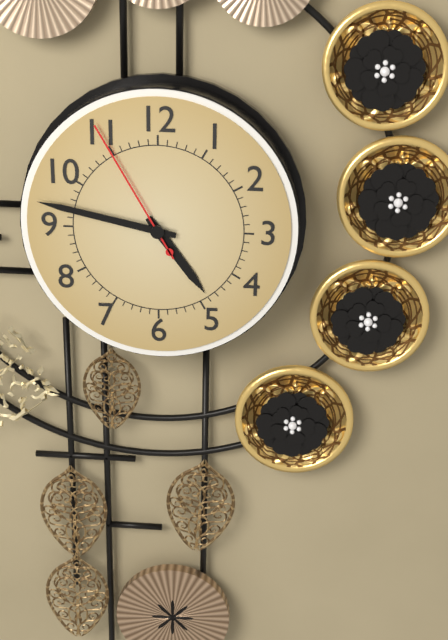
4:47:55
